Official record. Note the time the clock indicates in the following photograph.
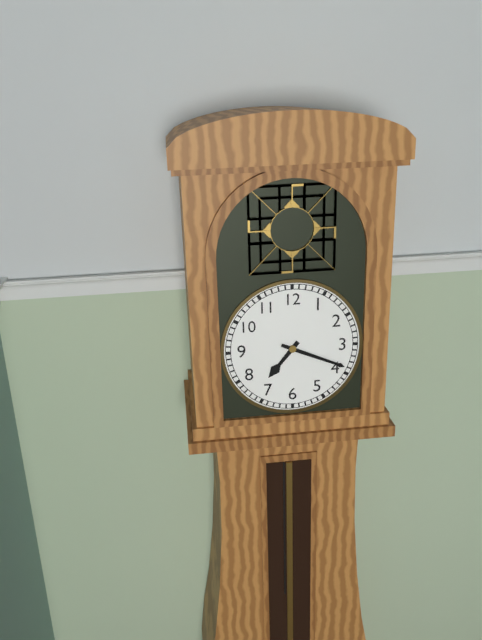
7:19
